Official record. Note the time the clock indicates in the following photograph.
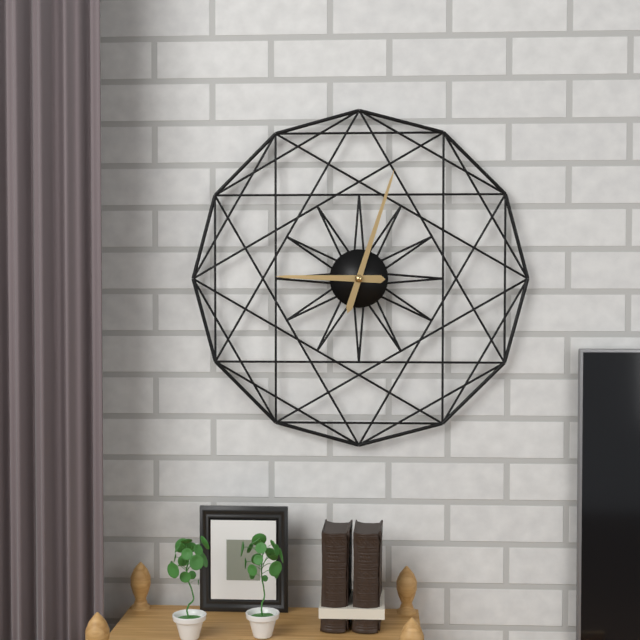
9:03
